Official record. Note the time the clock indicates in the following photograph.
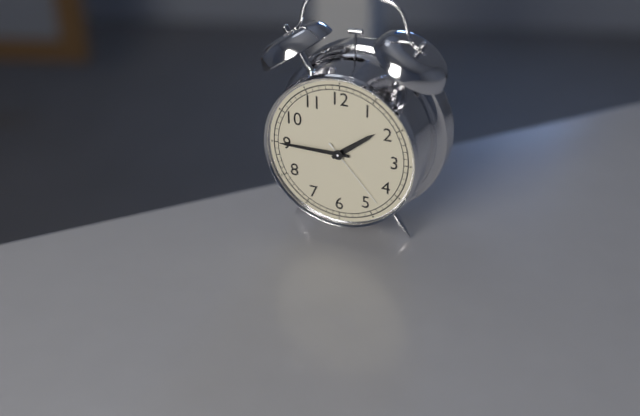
1:45:23
